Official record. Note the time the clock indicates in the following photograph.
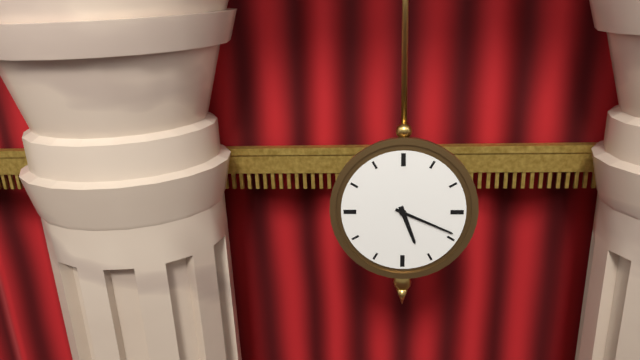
5:19
